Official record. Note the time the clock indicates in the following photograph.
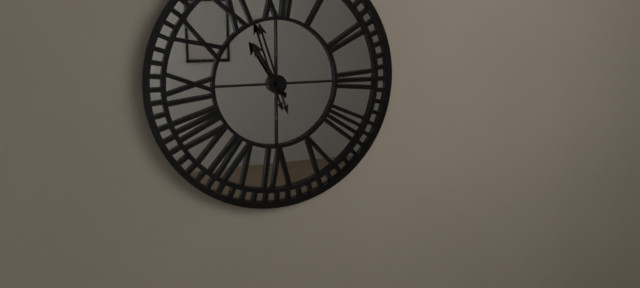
10:57
